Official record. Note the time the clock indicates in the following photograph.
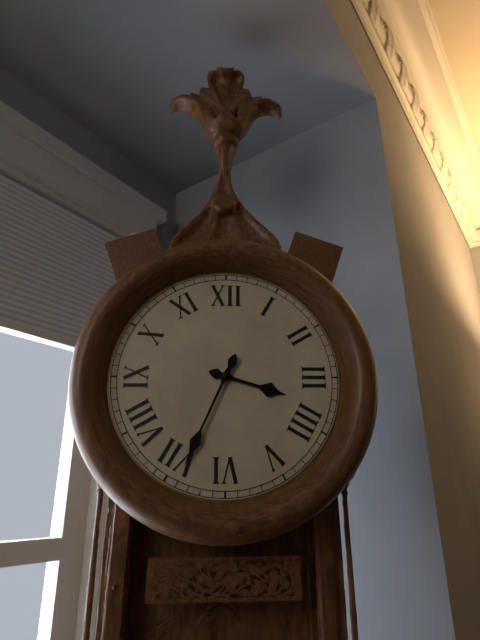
3:34
